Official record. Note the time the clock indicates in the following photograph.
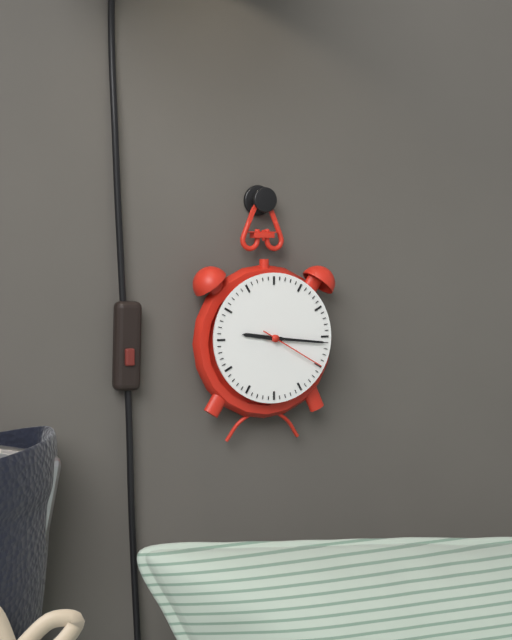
9:16:20
